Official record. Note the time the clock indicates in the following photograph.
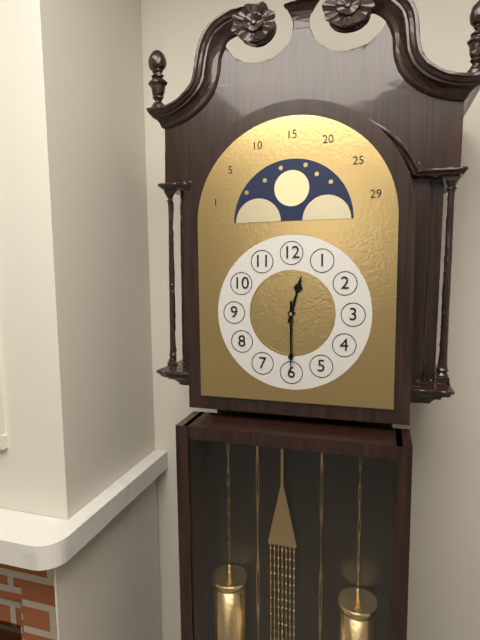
12:30
